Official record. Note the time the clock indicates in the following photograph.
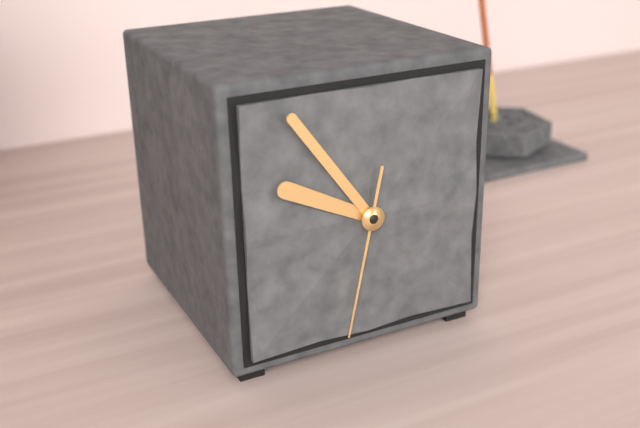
9:54:32
